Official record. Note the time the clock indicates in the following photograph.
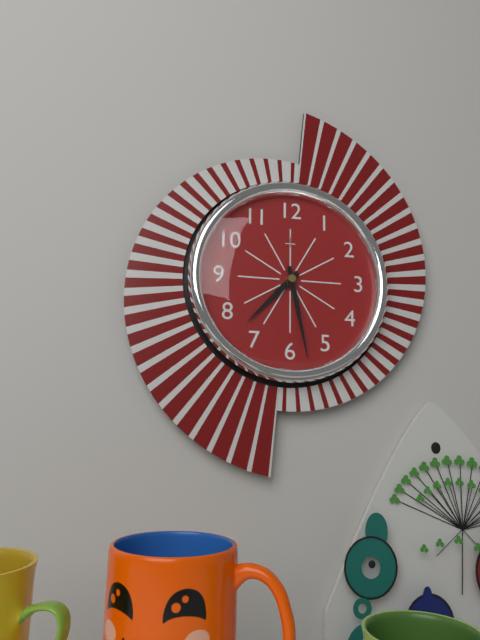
7:28
